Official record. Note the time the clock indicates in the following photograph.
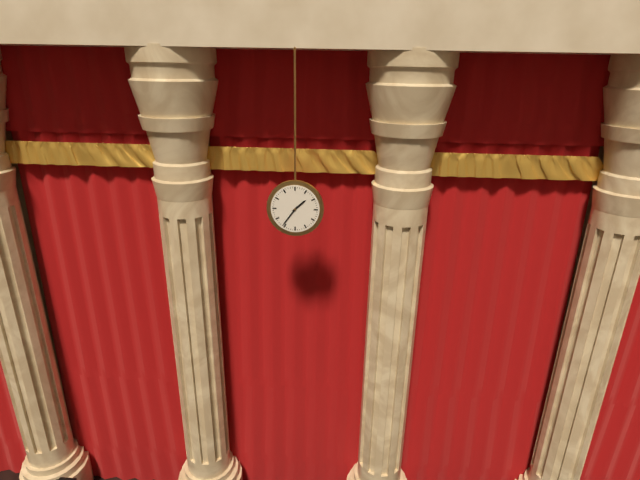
1:36
